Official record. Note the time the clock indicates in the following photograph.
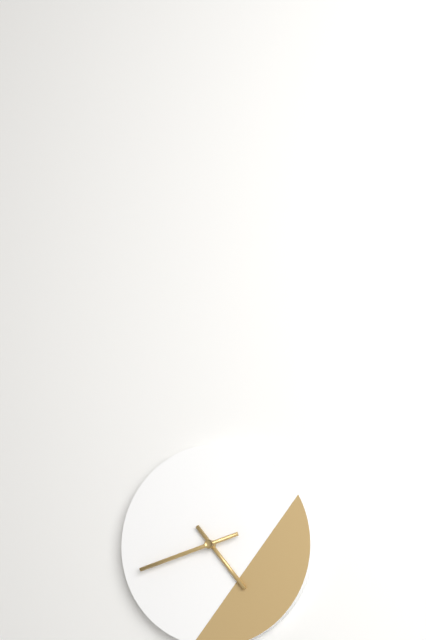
4:42
